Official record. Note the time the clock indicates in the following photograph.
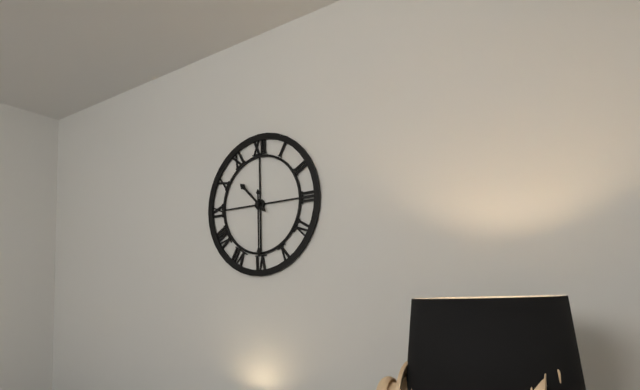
10:30
